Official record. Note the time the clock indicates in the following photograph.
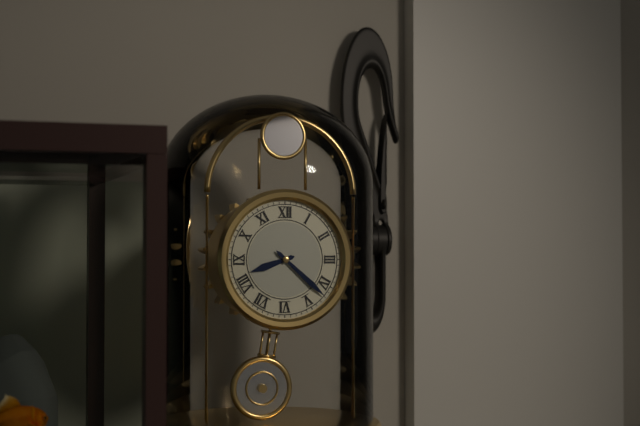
8:22
